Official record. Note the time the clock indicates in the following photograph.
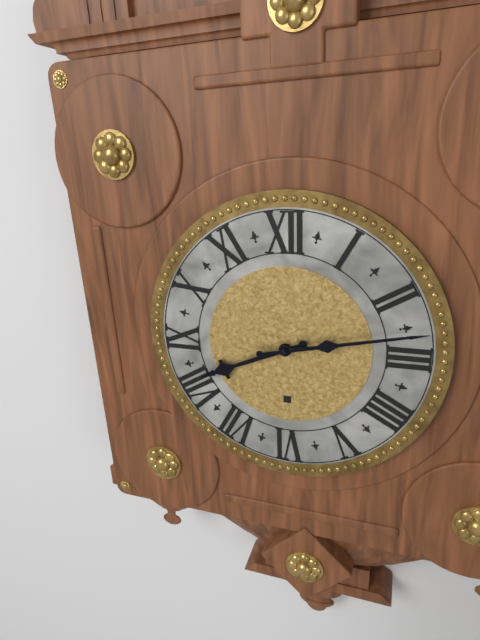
8:13
